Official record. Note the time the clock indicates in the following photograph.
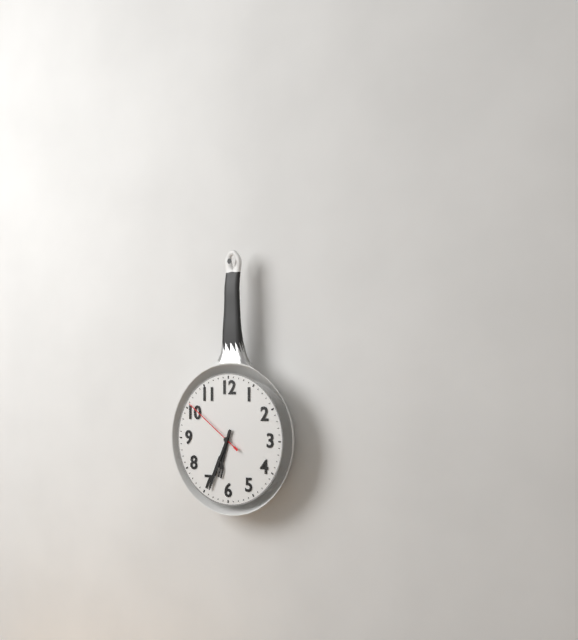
6:34:51
